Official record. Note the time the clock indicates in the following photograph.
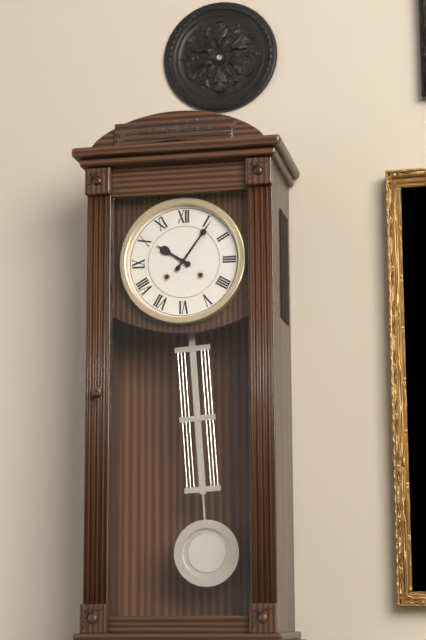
10:06
